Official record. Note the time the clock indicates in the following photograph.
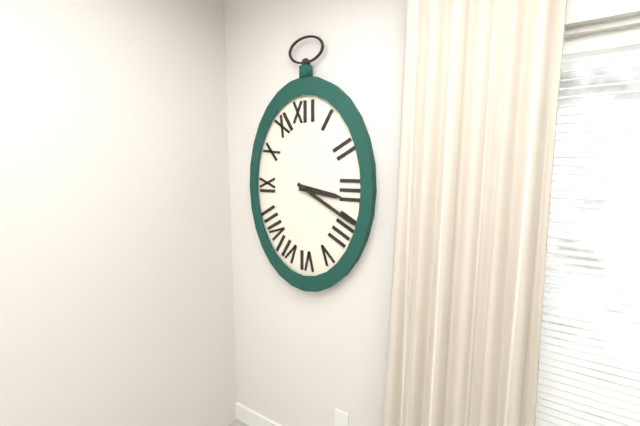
3:20
